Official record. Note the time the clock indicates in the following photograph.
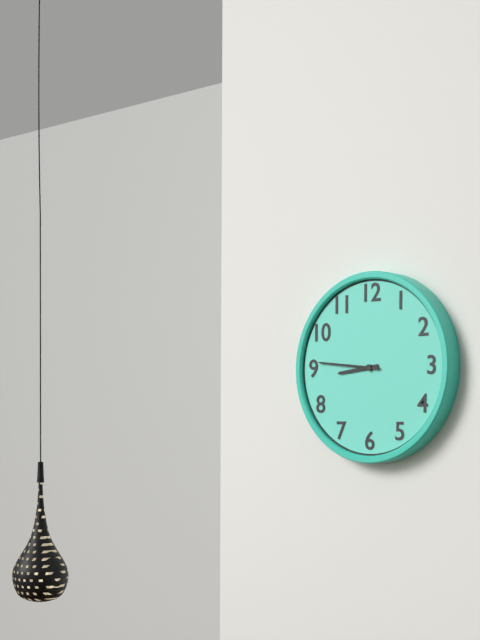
8:46
